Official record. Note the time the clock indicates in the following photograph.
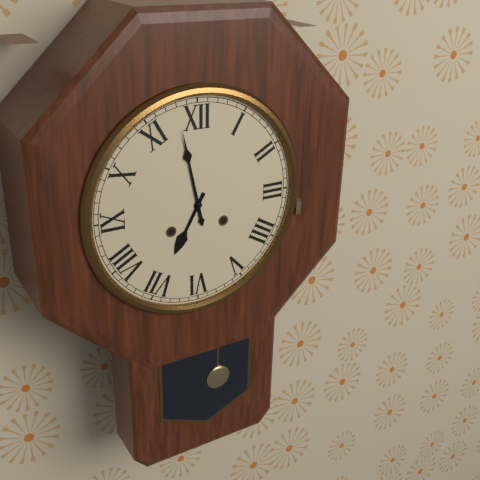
6:58
